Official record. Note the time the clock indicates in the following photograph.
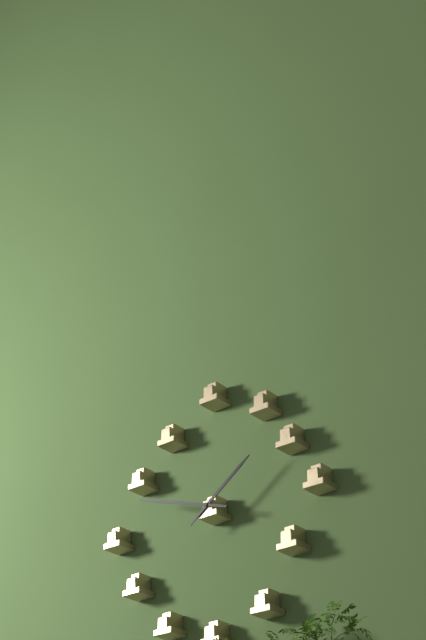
1:48
